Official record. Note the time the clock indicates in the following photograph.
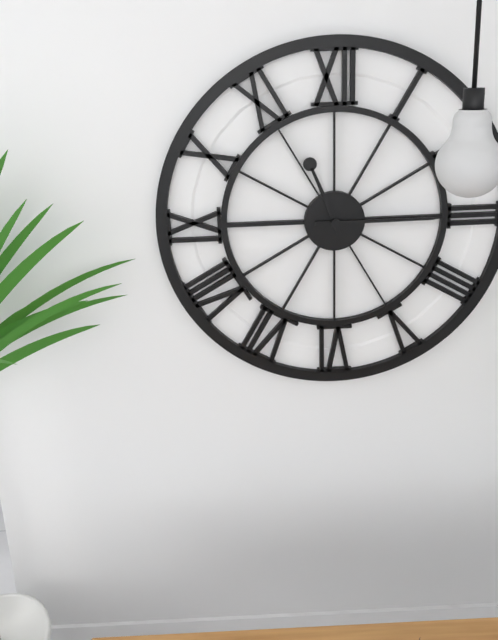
11:15
